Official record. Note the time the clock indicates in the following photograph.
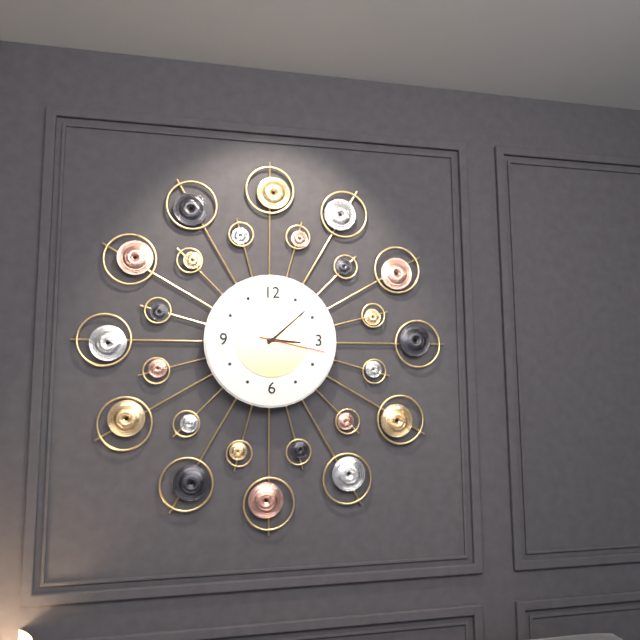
3:08:17
